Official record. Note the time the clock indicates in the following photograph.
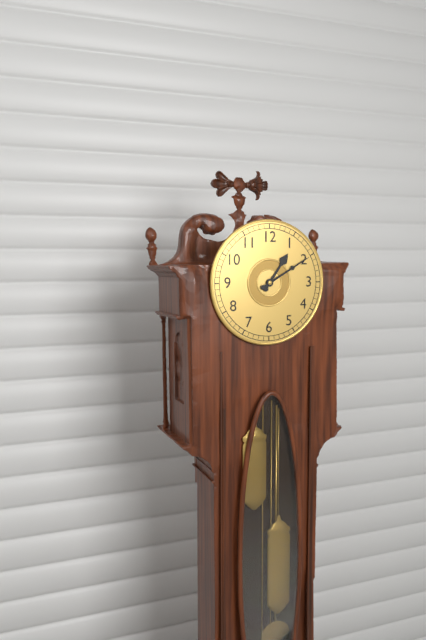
1:10
